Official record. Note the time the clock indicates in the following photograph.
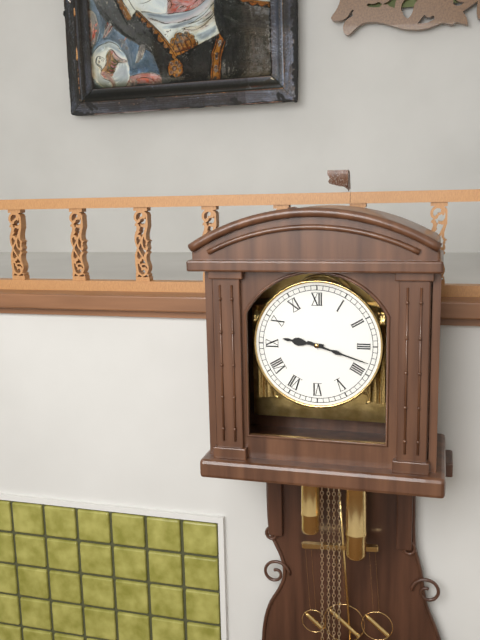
9:18
